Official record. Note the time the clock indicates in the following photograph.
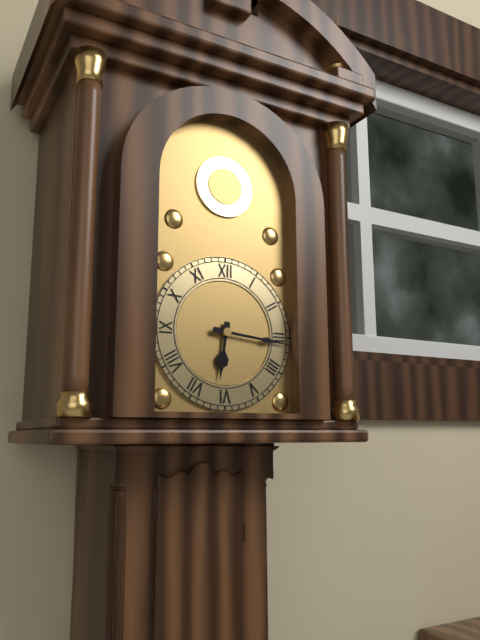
6:16
